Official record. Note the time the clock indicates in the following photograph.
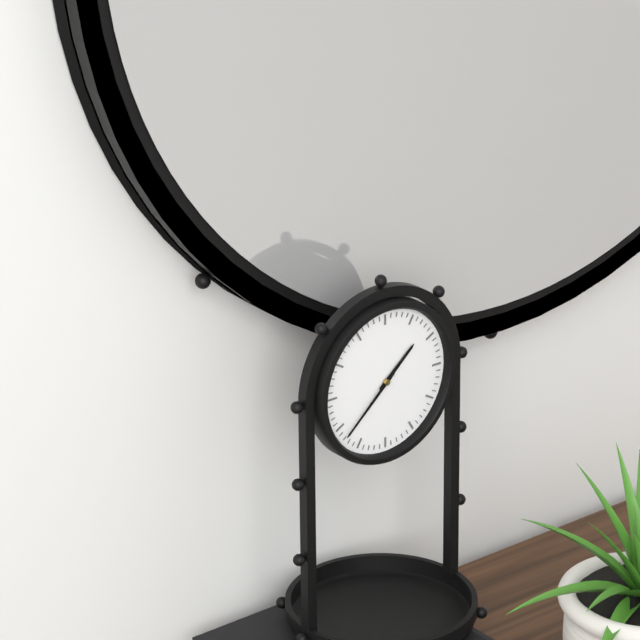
1:38
